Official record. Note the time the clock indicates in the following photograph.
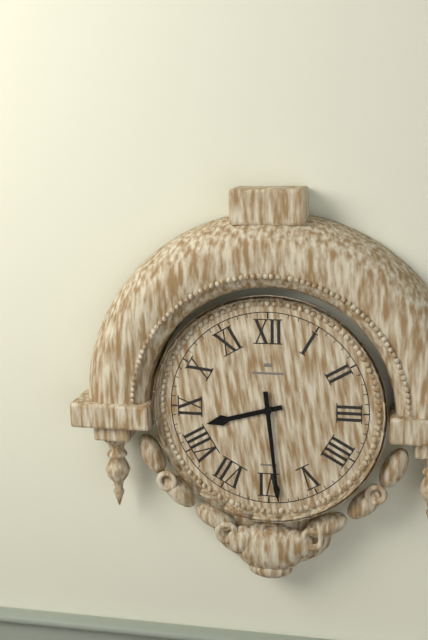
8:29
